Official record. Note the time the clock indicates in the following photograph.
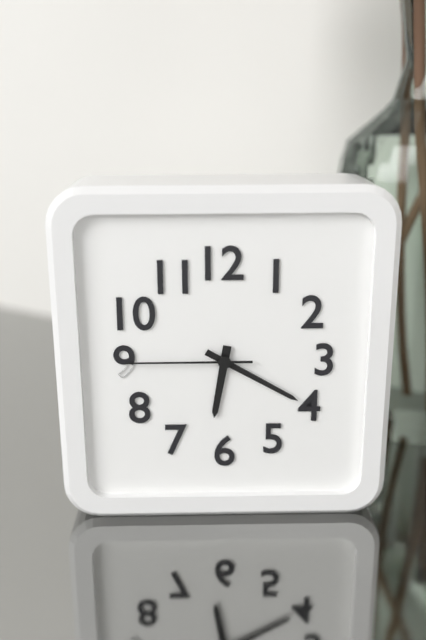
6:20:45
